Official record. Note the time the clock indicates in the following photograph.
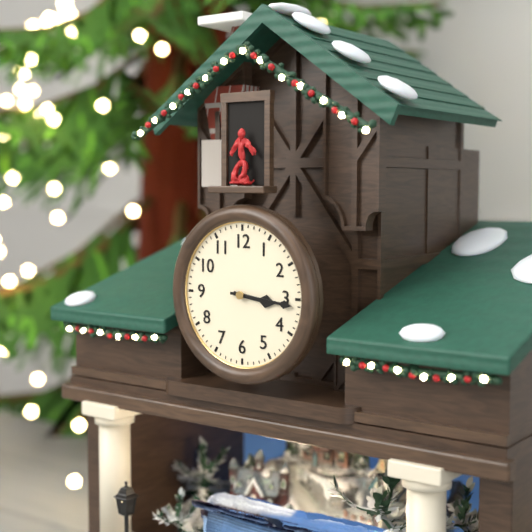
3:16
